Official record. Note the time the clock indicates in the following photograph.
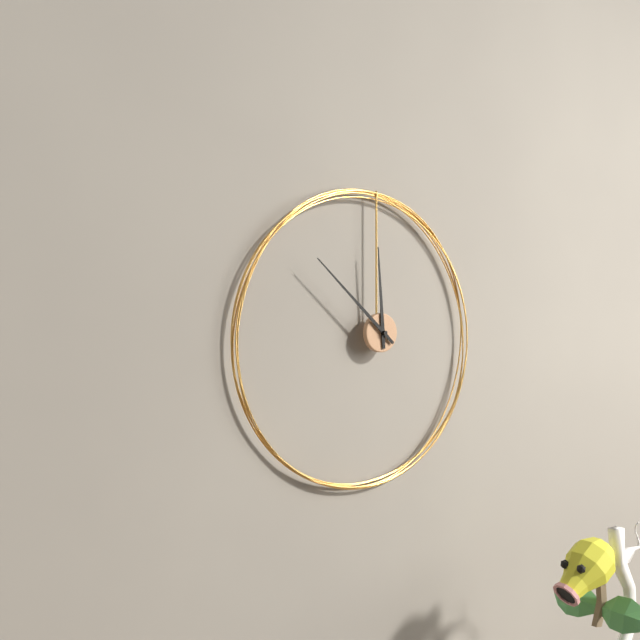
11:52
